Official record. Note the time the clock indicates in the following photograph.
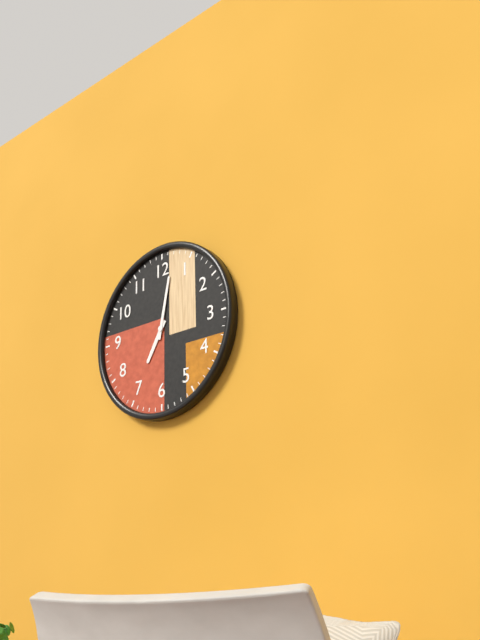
7:02
